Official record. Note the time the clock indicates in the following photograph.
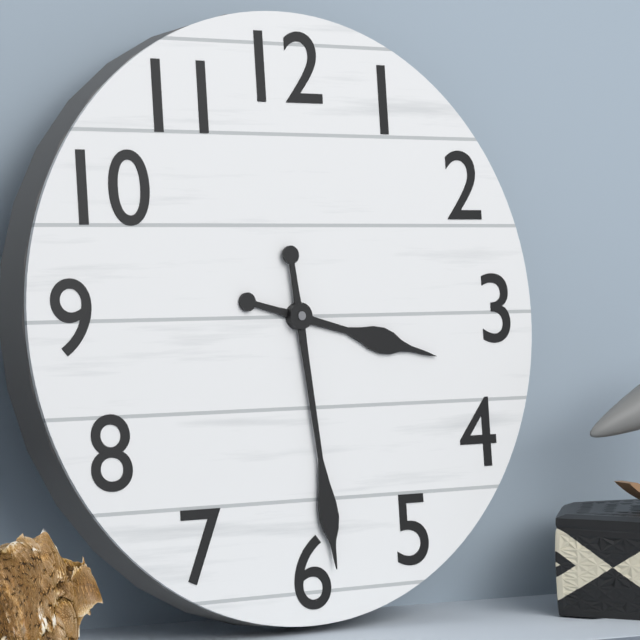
3:29
